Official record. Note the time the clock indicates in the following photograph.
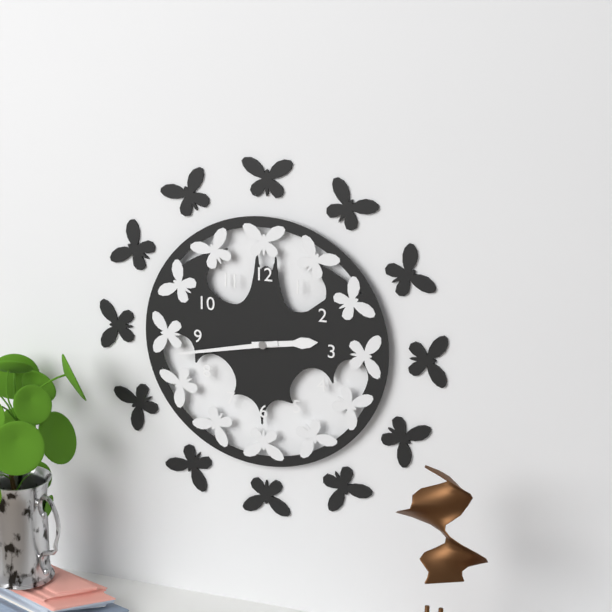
2:43
